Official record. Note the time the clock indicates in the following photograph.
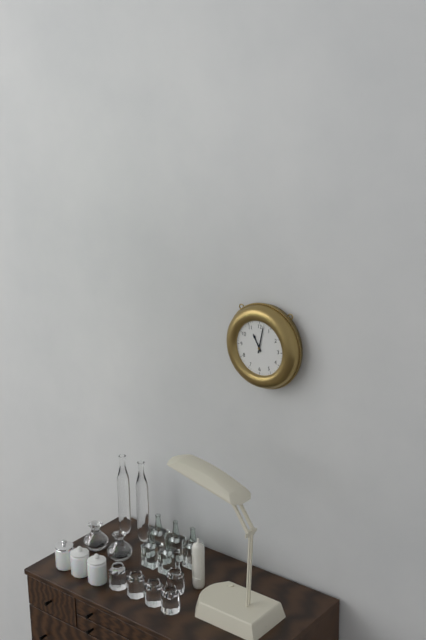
11:02
